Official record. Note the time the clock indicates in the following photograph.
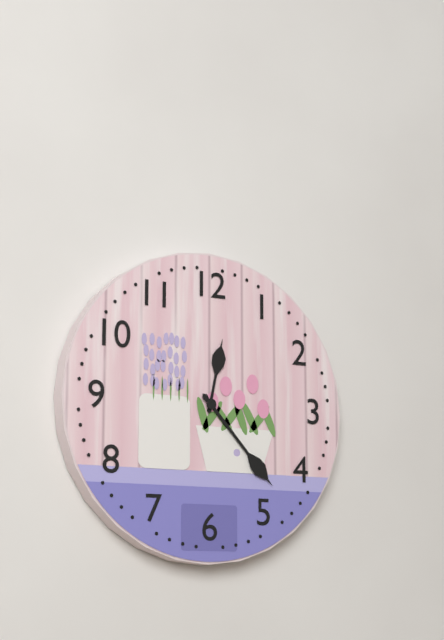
12:23
